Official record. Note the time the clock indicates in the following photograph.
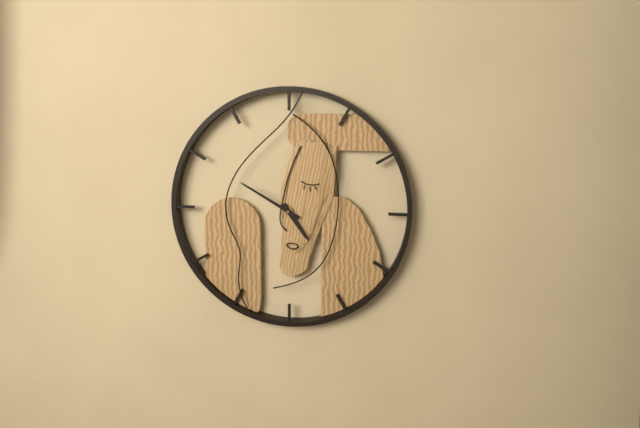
4:50
